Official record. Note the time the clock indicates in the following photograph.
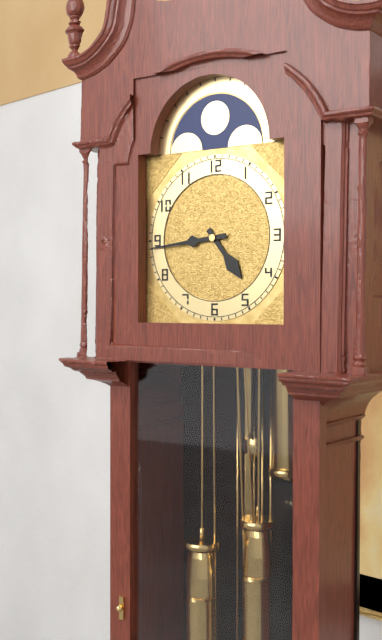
4:44
